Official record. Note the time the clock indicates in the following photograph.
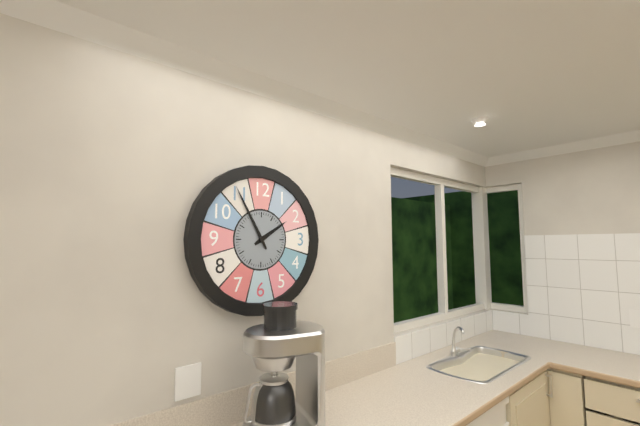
1:55
